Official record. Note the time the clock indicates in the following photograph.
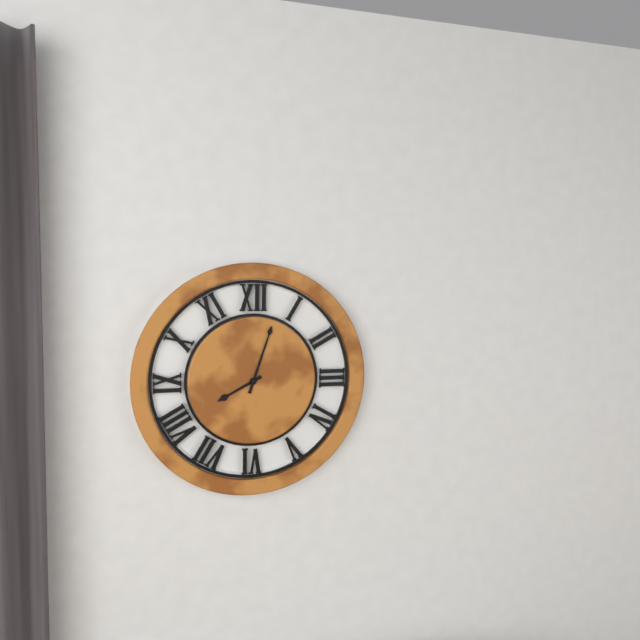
8:03
